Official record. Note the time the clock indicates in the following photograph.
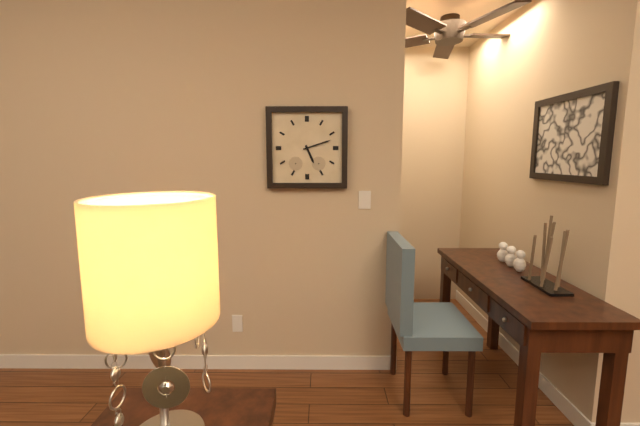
5:12
